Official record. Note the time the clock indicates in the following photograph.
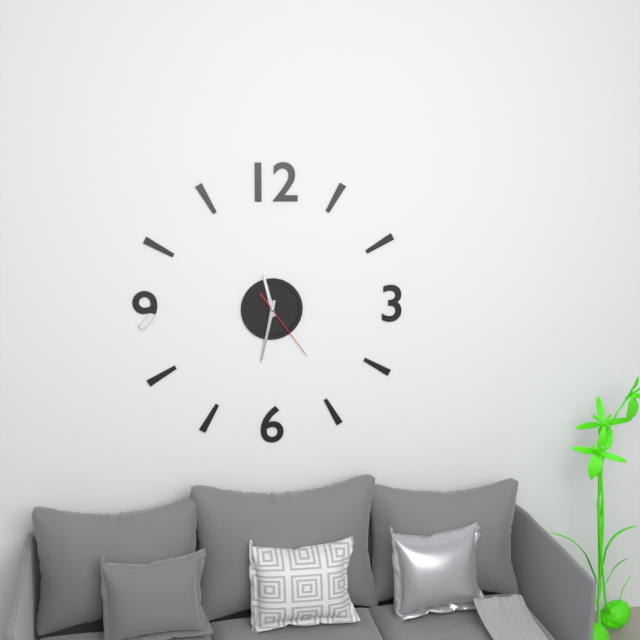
11:32:24
